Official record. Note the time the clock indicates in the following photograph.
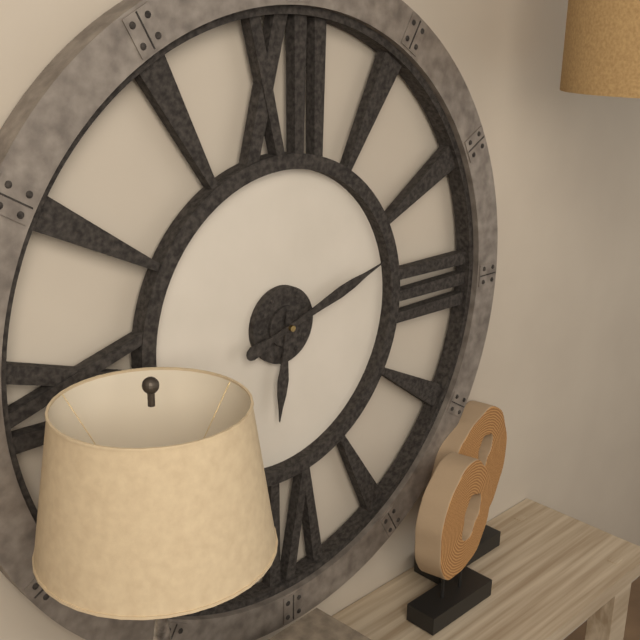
6:12
